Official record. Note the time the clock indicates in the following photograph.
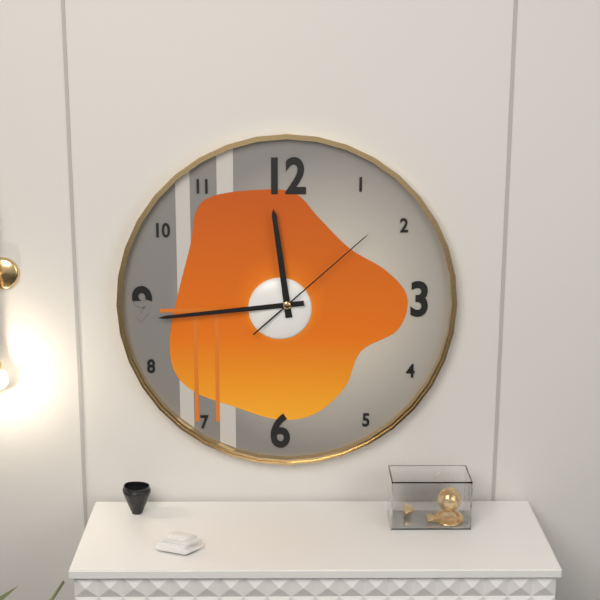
11:44:08
